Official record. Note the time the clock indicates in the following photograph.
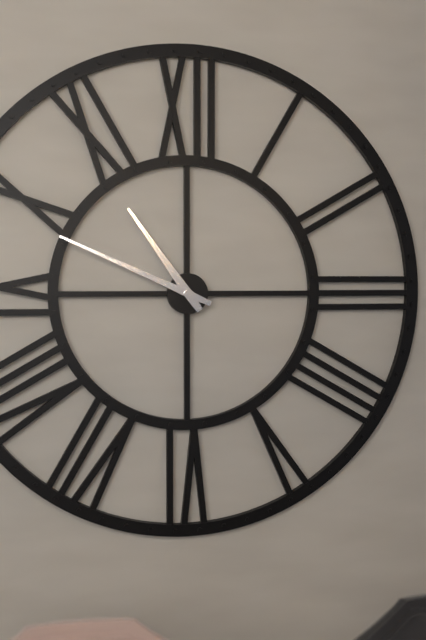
10:49
